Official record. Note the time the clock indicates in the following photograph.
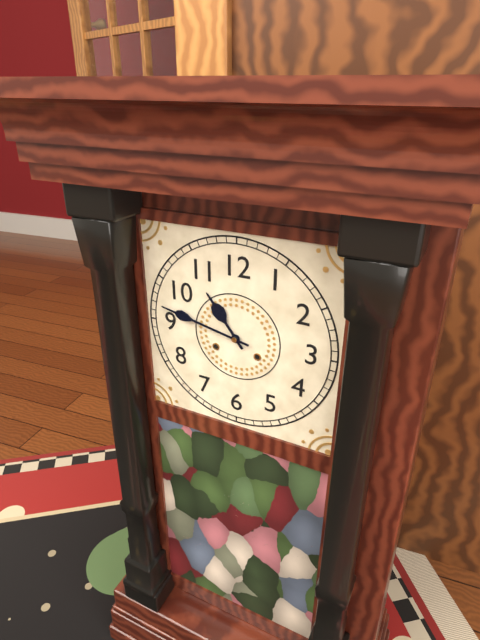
10:47
